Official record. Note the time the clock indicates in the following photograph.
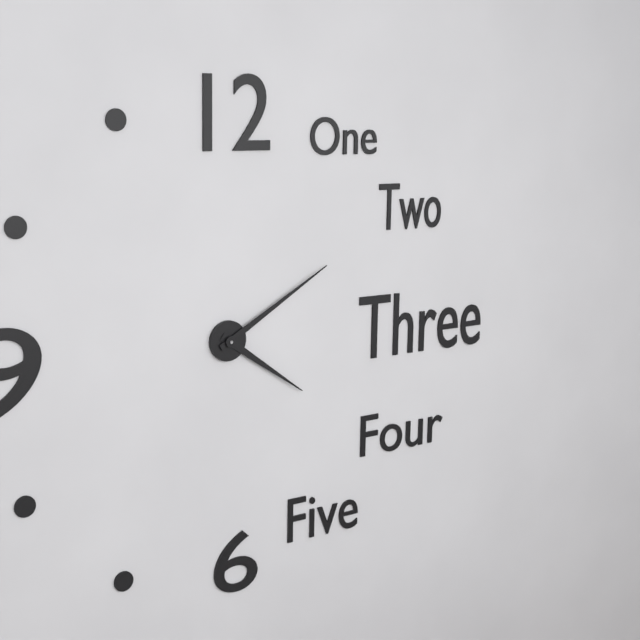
4:10
